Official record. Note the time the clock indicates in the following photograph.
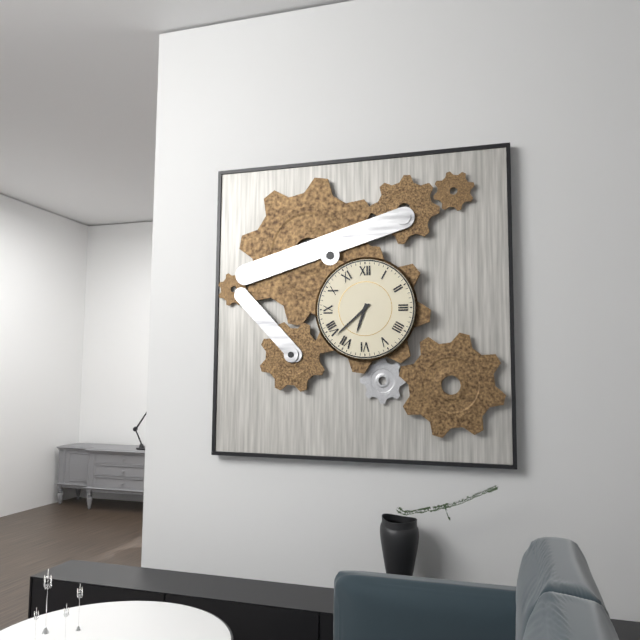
6:38
